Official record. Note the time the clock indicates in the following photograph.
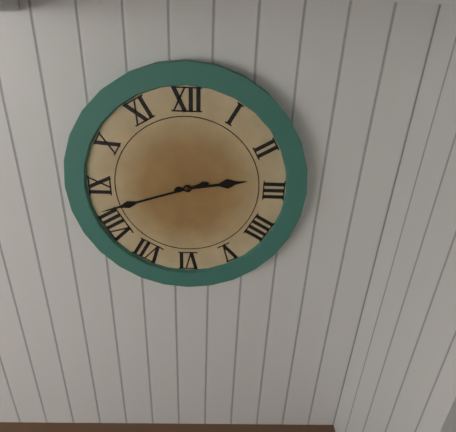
2:42
